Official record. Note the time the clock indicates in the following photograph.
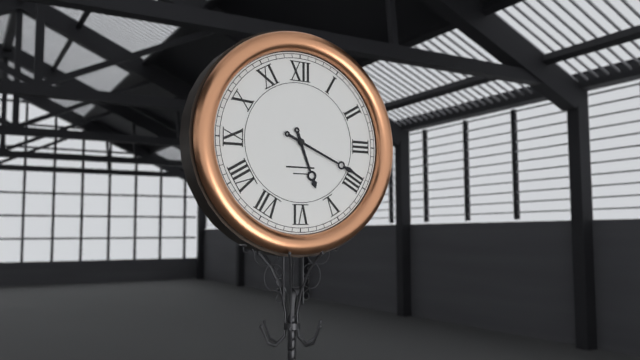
5:19
